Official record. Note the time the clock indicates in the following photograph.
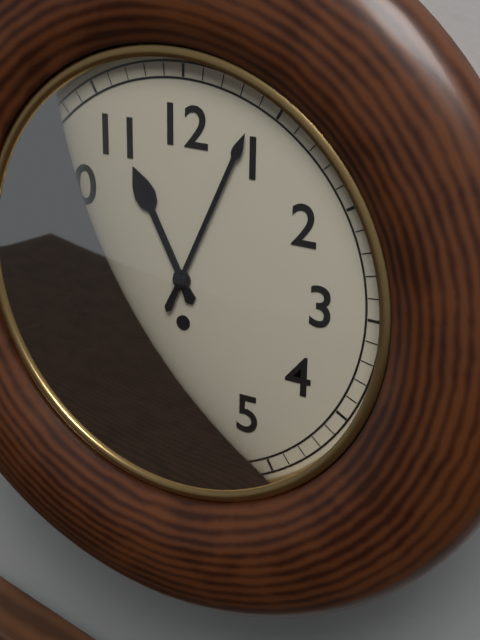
11:04
